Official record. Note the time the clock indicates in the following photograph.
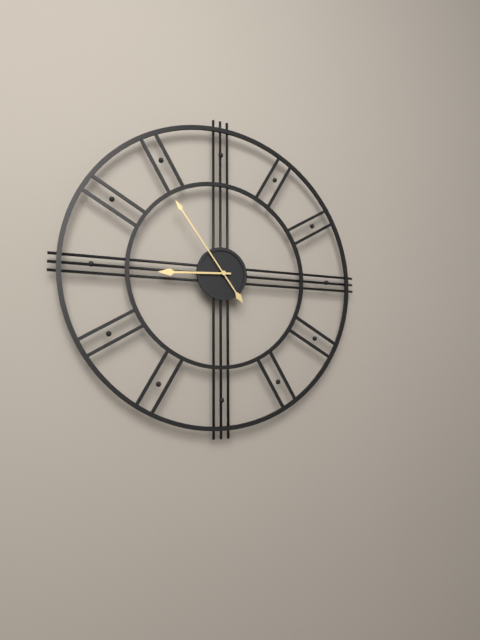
8:54
